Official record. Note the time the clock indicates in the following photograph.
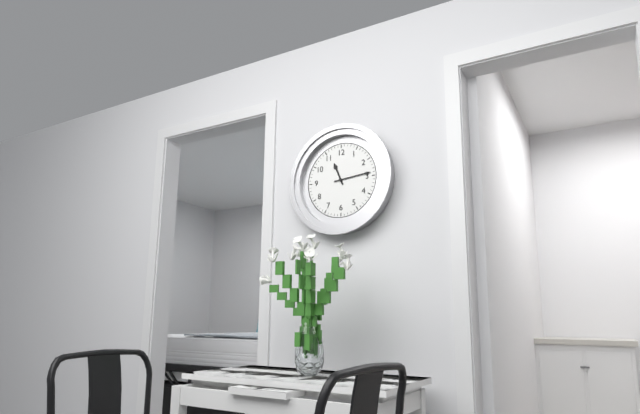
11:14
